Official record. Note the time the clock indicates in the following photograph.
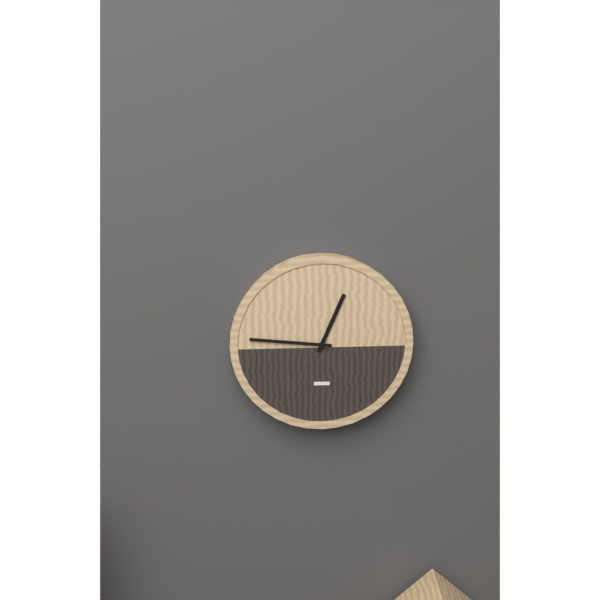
12:46
